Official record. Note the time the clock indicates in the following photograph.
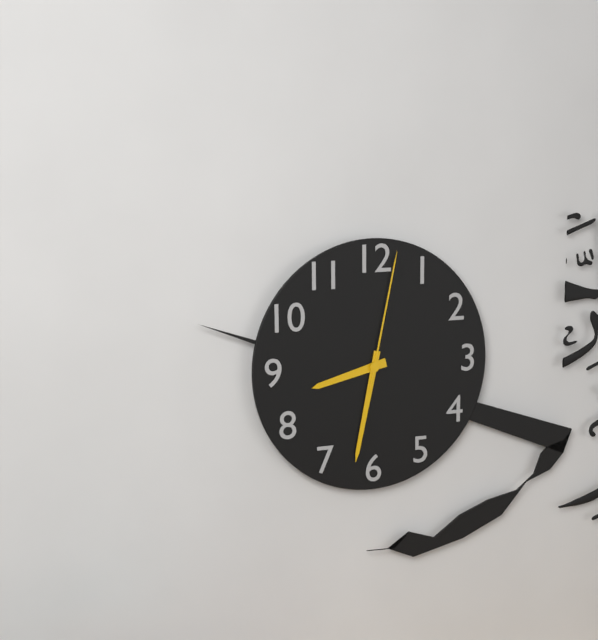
8:32:02
